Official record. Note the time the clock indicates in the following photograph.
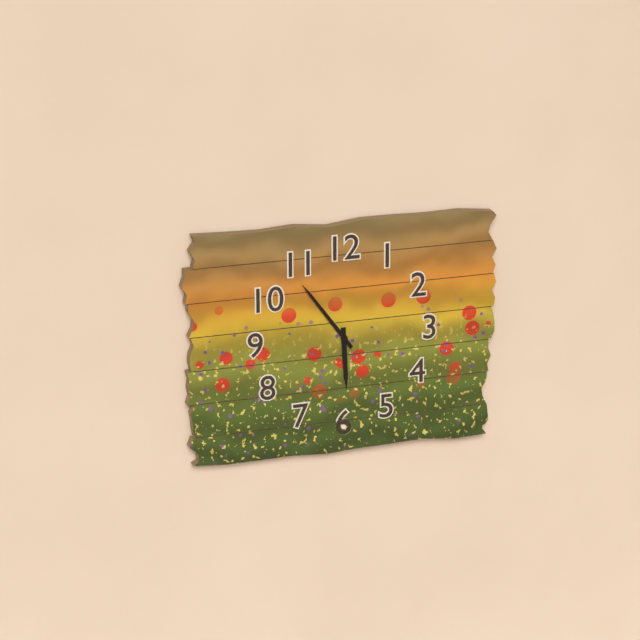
5:54
